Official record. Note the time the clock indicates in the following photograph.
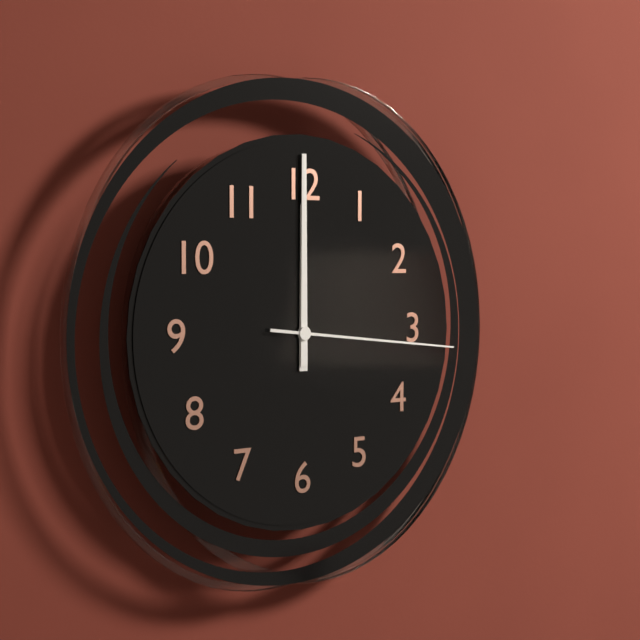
12:00:16
